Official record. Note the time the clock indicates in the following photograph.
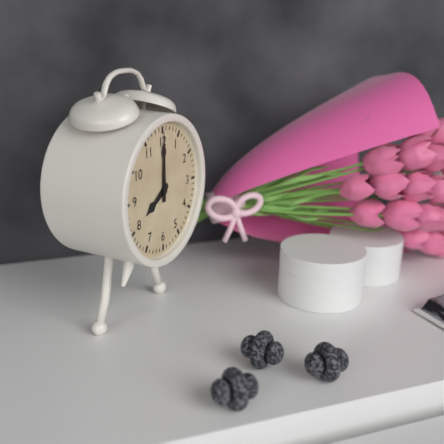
8:00
